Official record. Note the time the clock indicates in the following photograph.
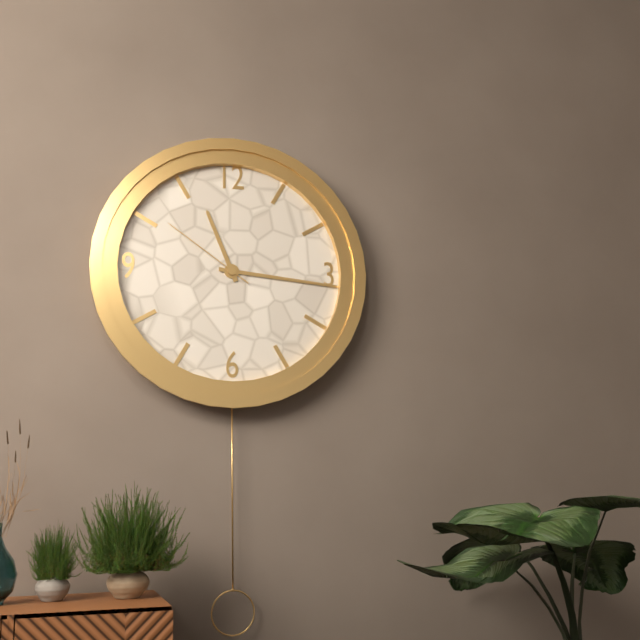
11:16:51
